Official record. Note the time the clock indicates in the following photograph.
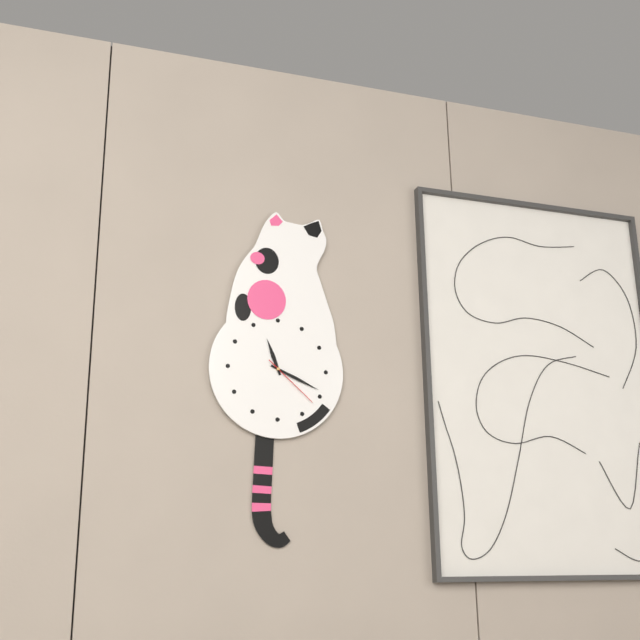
11:19:22
